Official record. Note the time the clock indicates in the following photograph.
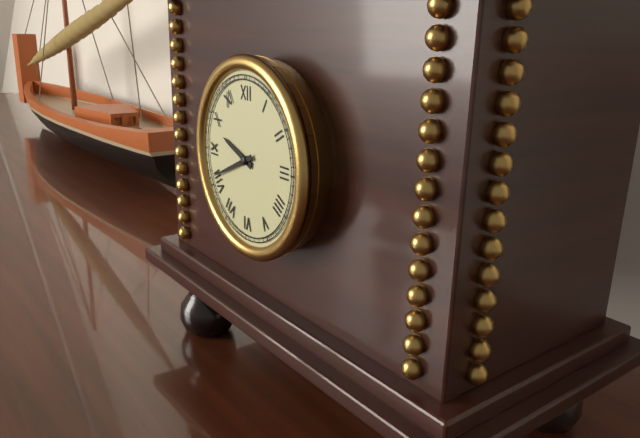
9:41
